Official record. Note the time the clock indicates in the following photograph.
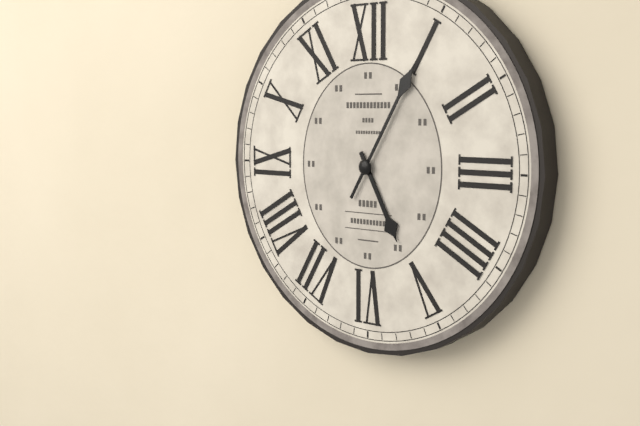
5:05
